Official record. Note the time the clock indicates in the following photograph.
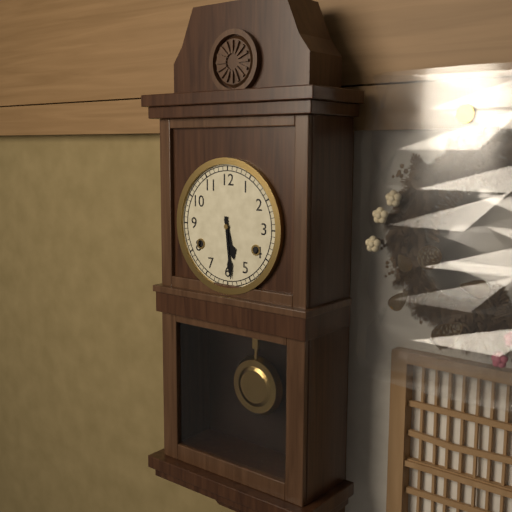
5:29
